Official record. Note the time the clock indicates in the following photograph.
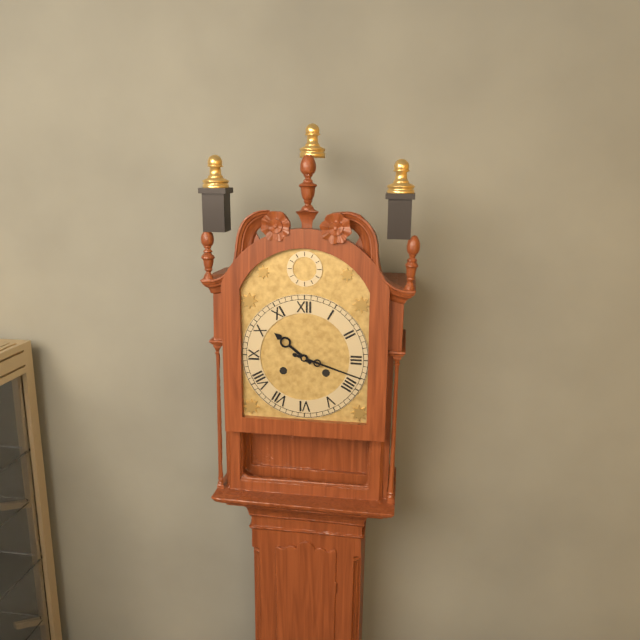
10:18
